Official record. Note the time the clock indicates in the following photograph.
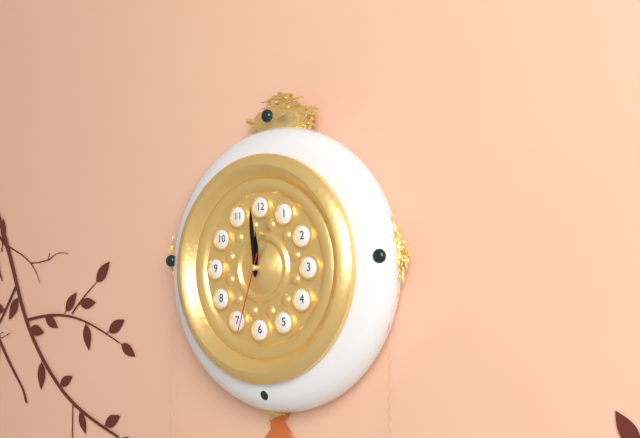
11:59:33
